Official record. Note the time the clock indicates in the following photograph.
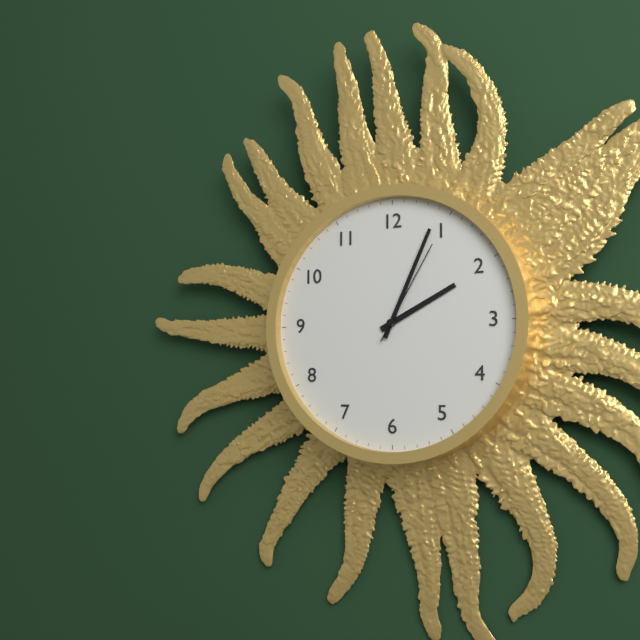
2:04:05
